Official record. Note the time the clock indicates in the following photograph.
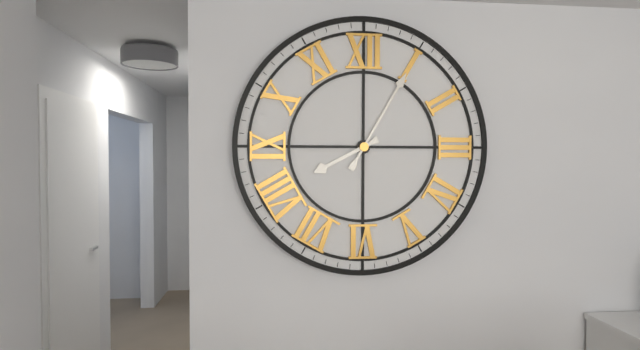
8:05
